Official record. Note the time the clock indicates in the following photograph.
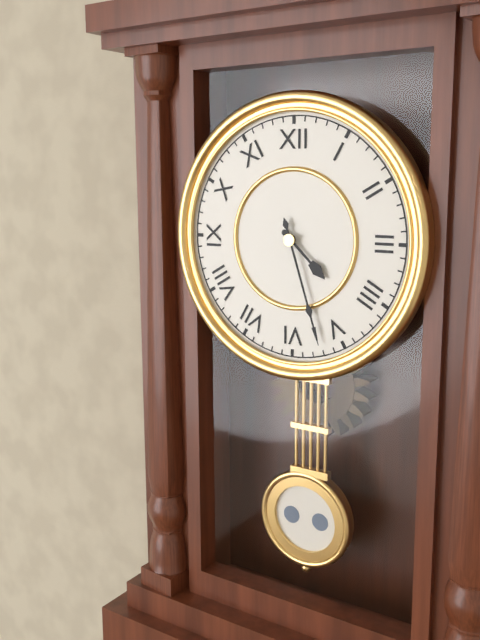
4:27
